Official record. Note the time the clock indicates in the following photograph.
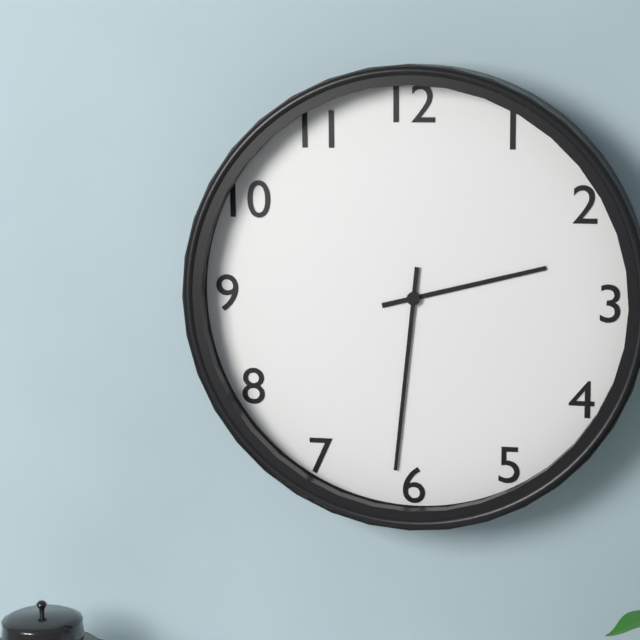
2:31
